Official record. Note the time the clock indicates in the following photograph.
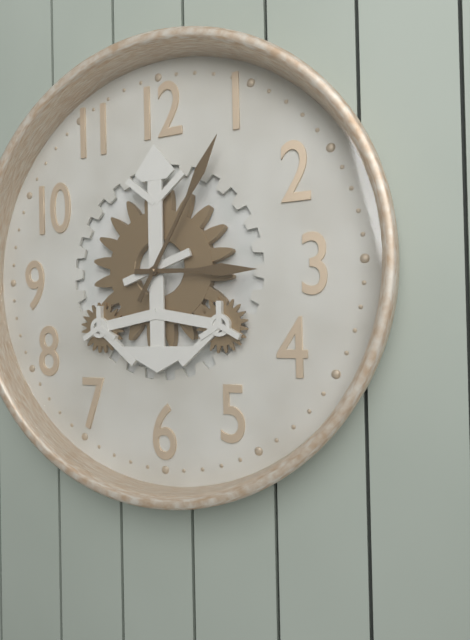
3:05
